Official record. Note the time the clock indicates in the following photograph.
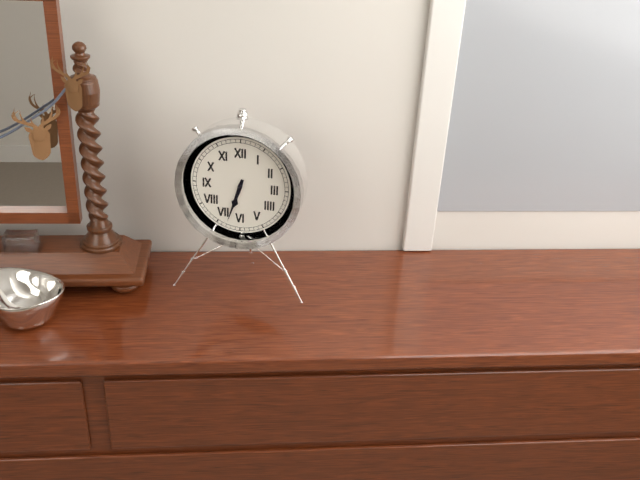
6:33
